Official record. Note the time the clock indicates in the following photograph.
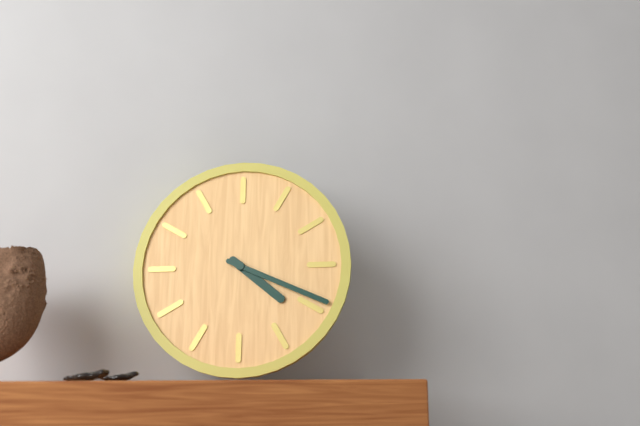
4:19
